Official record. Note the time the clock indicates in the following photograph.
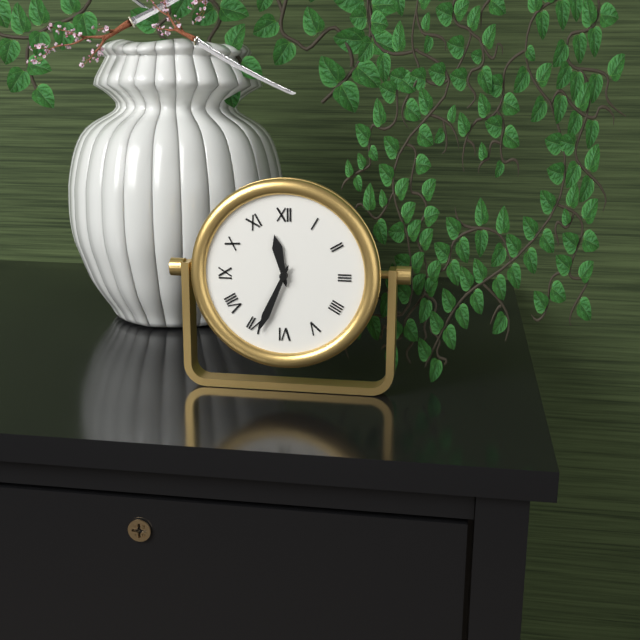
11:34
